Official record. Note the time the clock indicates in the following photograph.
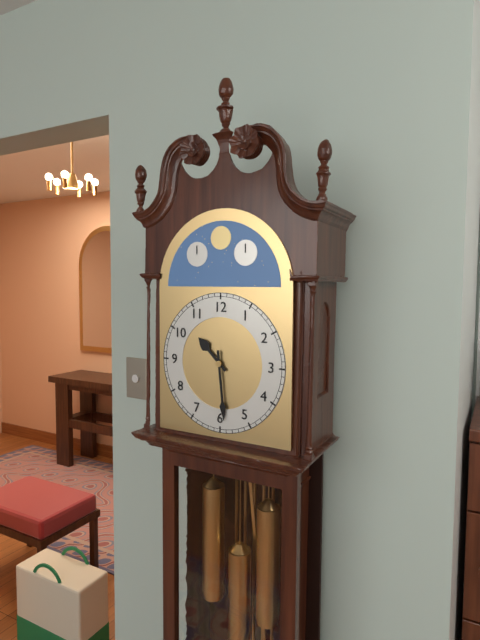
10:29
